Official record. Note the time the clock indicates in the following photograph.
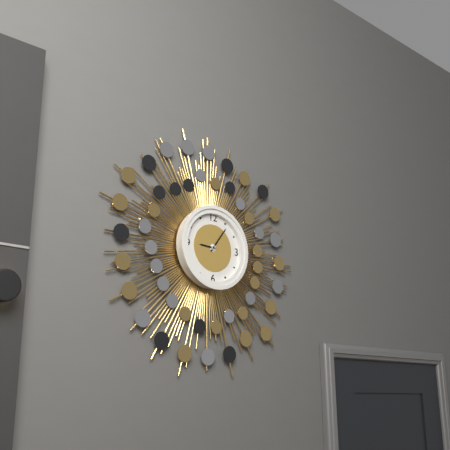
9:06
